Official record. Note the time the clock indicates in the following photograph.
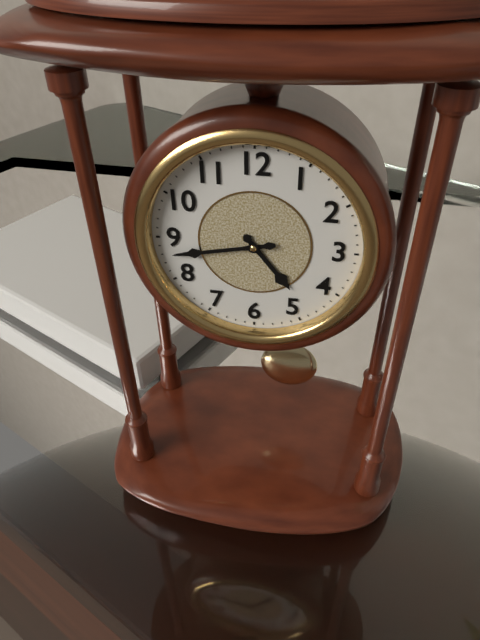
4:43
